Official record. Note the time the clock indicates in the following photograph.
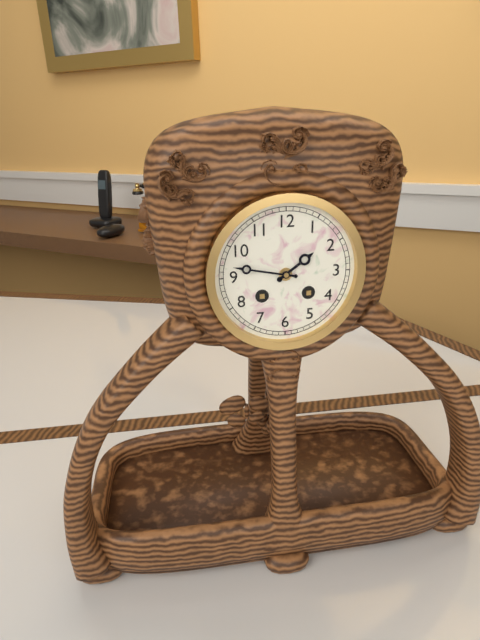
1:47
